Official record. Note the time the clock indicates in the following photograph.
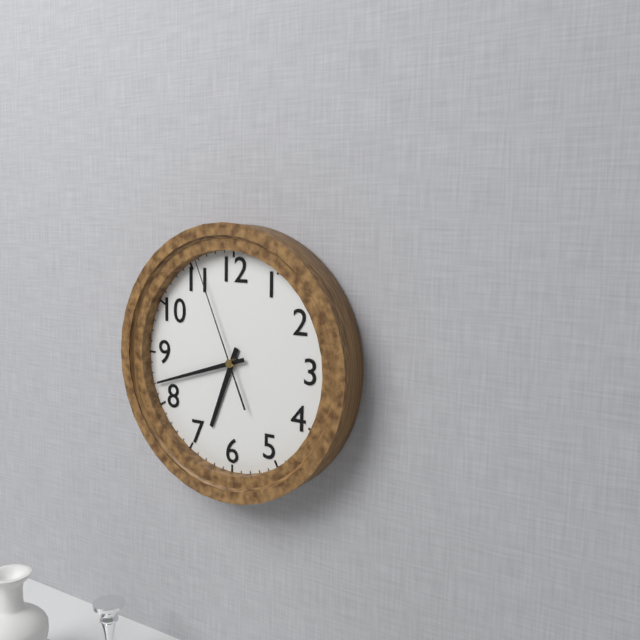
6:42:56
